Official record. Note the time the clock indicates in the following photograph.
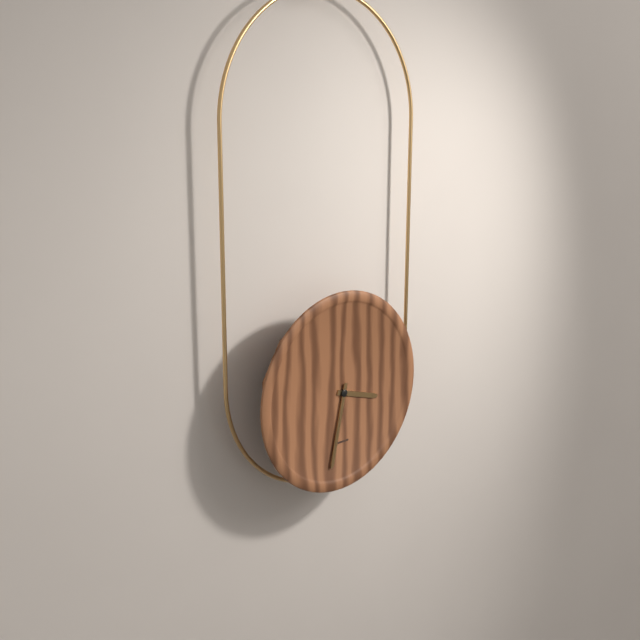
3:32
